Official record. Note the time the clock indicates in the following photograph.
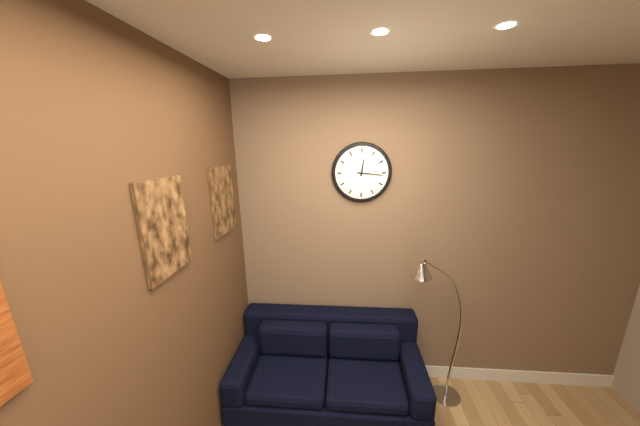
12:16
